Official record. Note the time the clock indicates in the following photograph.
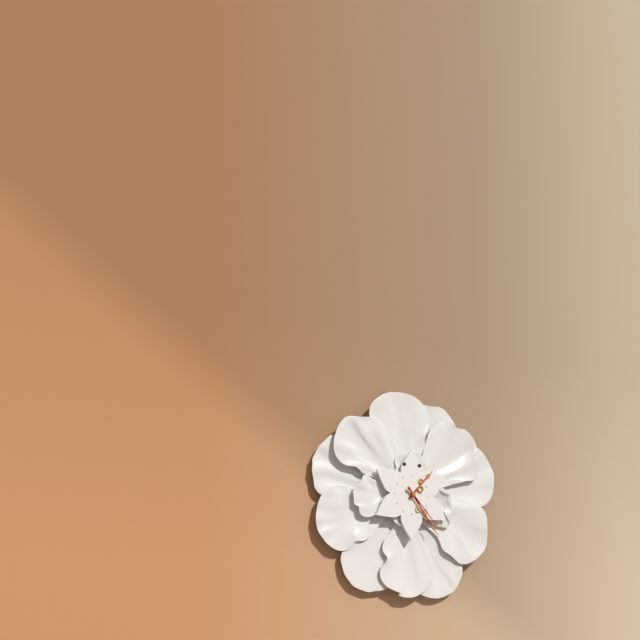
1:24
